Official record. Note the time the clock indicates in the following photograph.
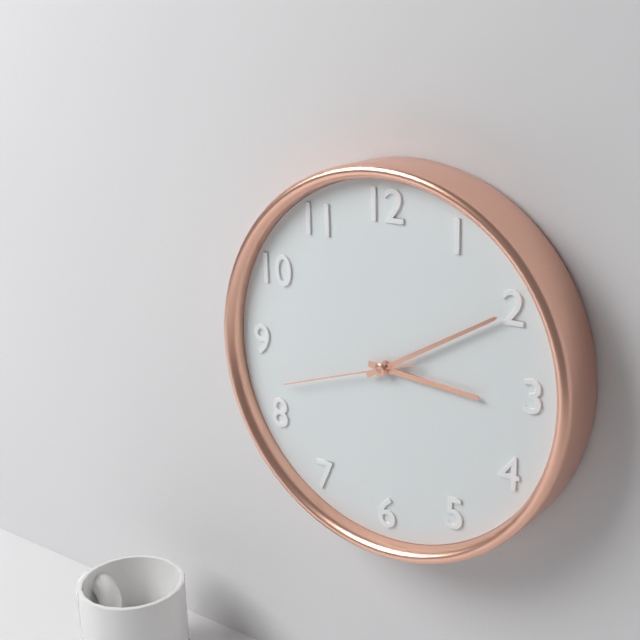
3:10:42
